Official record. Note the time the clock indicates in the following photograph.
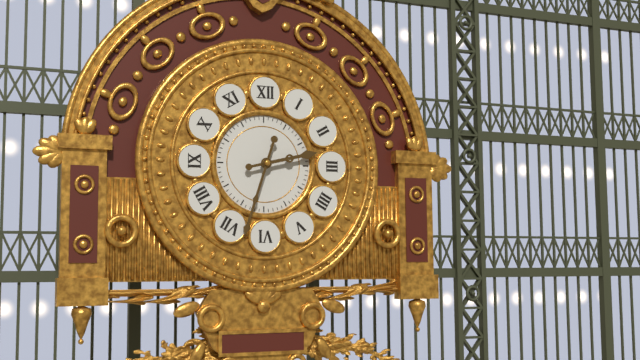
2:33
